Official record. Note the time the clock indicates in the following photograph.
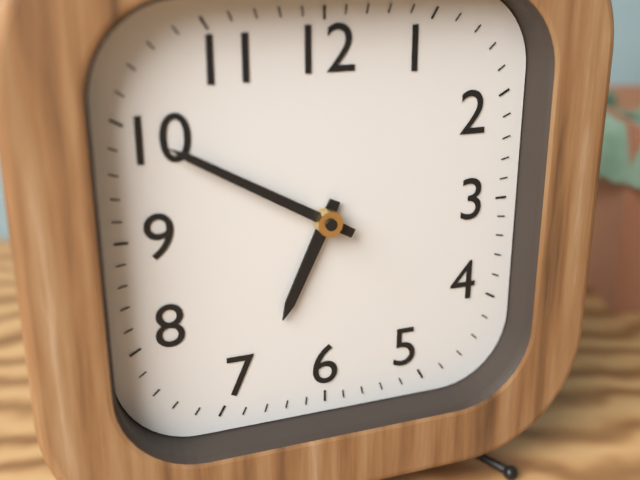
6:50
